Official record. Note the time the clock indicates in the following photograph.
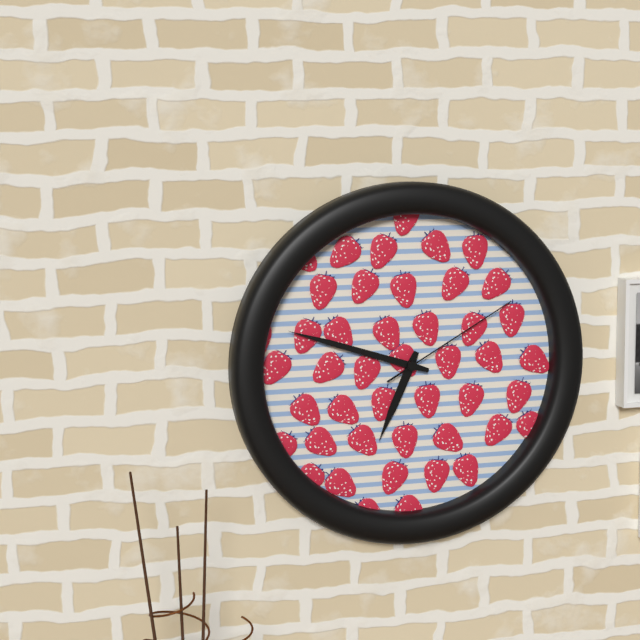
6:48:10
